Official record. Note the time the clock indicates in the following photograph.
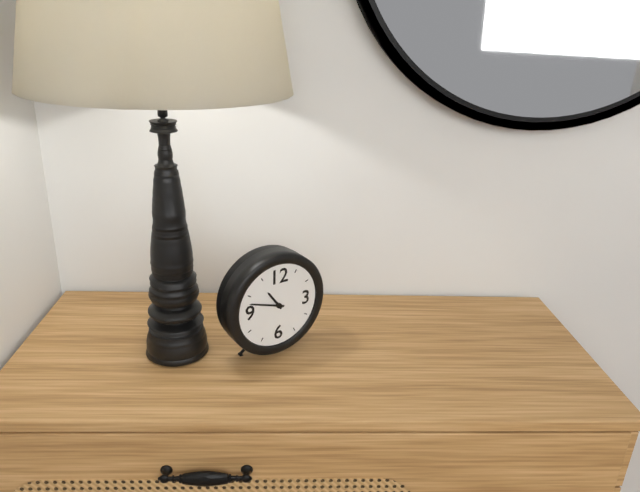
10:48
